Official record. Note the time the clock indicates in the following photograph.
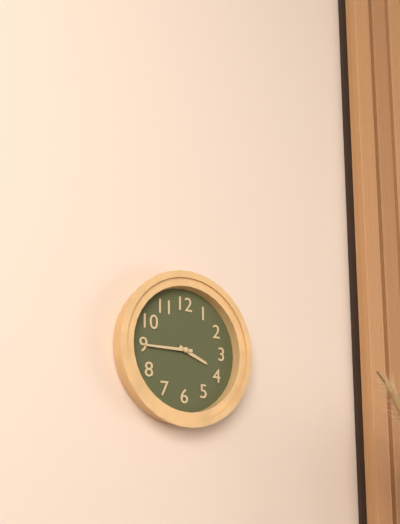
3:45
